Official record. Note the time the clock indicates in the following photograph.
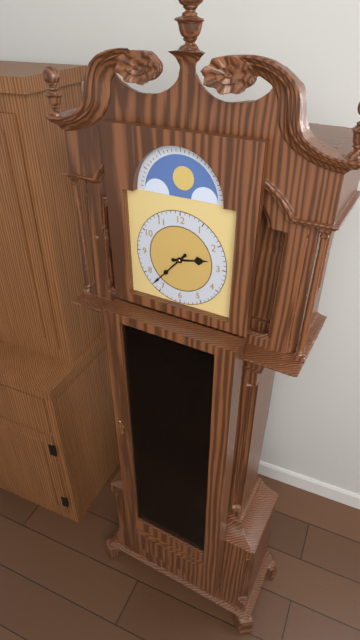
2:37
